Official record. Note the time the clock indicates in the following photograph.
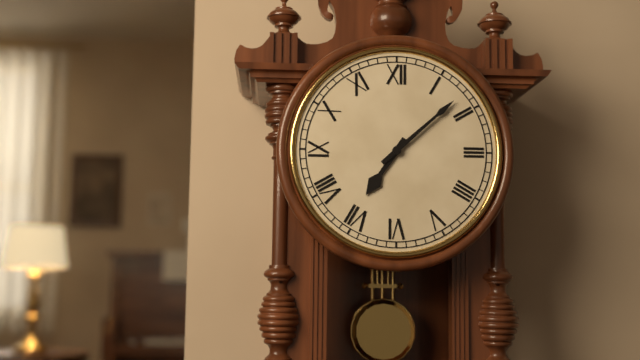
7:08
